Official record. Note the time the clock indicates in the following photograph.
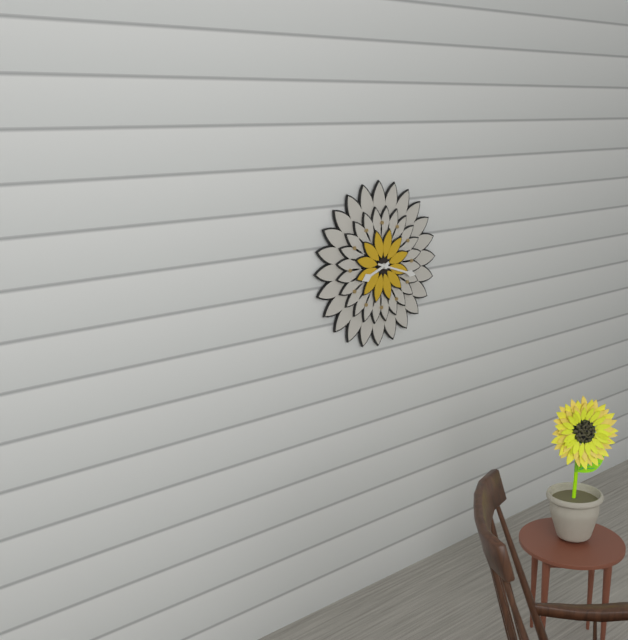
8:18
